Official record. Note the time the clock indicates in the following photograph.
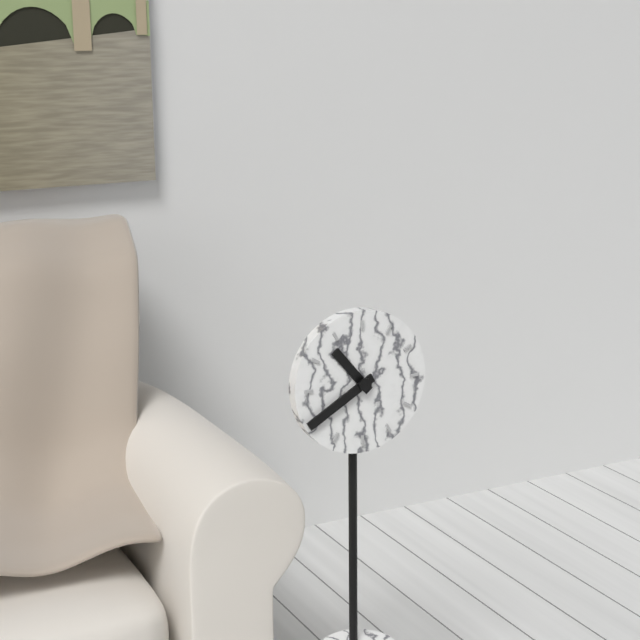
10:40
